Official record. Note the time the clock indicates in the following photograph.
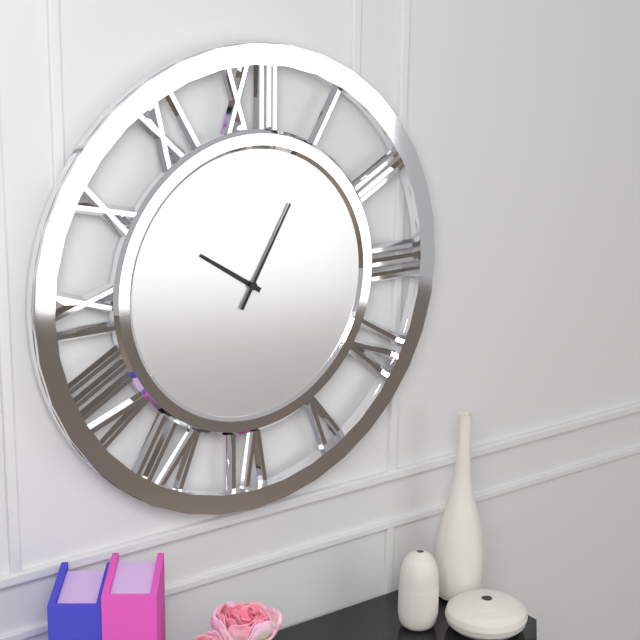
10:05
